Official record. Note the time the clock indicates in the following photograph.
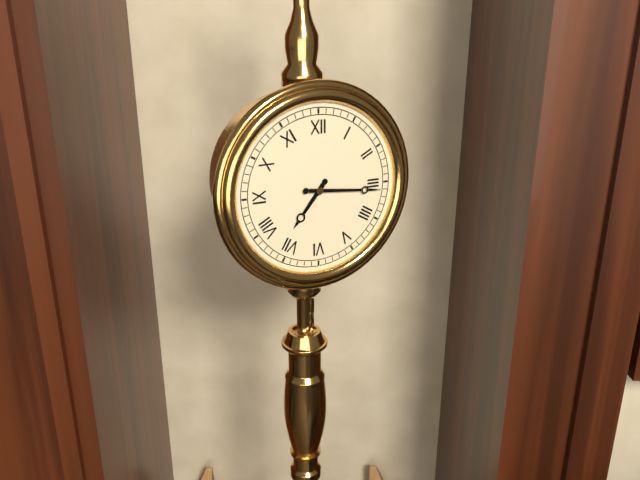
7:16
